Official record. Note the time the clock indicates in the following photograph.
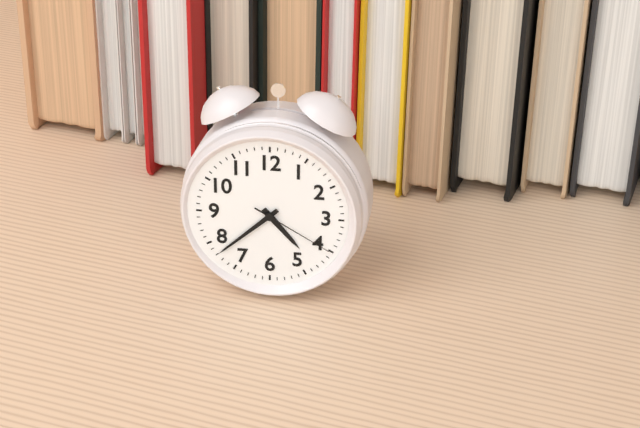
4:38:20
